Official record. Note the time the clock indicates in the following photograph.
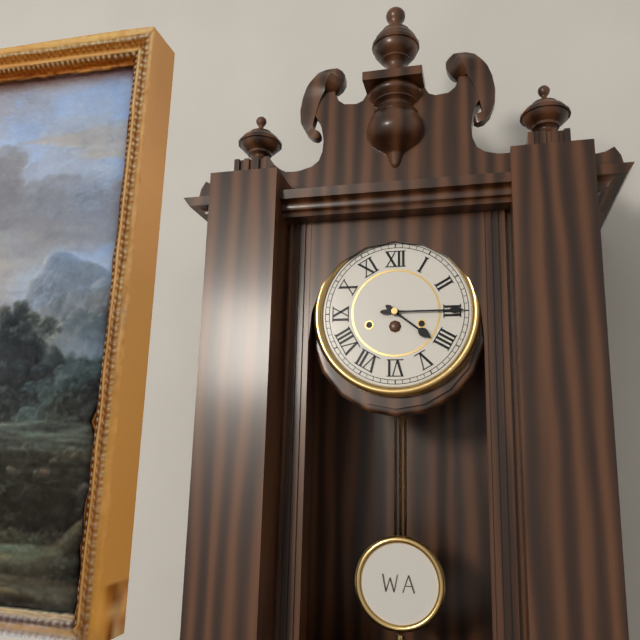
4:15
